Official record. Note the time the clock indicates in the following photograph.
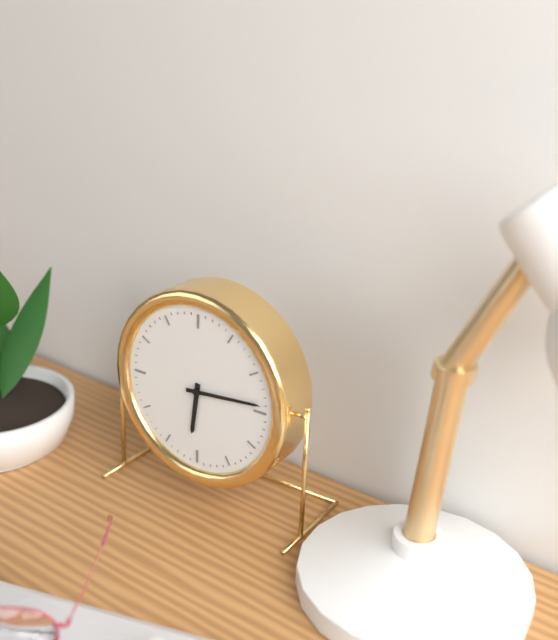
6:14
